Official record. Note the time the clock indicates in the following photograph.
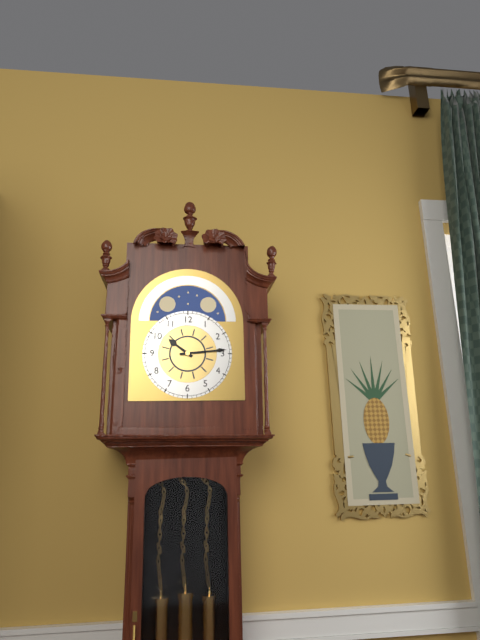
10:14
